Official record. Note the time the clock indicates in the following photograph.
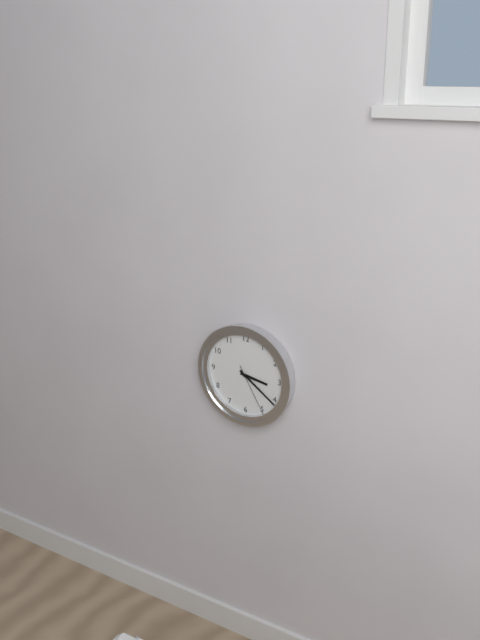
3:21:25
